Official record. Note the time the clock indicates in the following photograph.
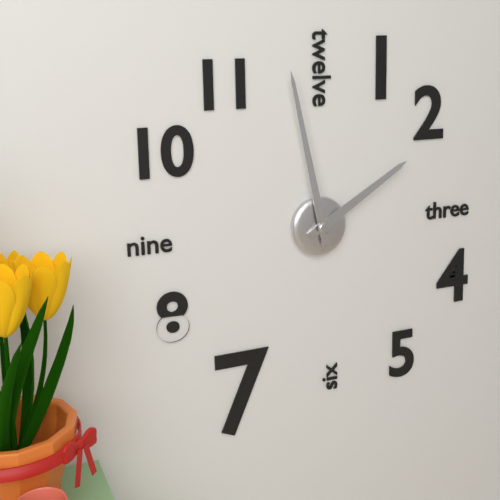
1:58
